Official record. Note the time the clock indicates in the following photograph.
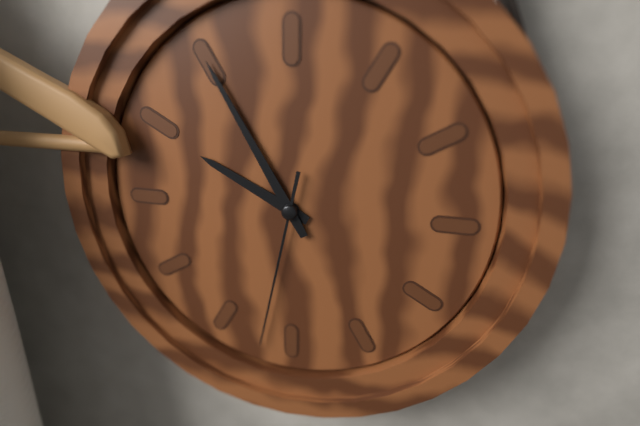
9:55:32
